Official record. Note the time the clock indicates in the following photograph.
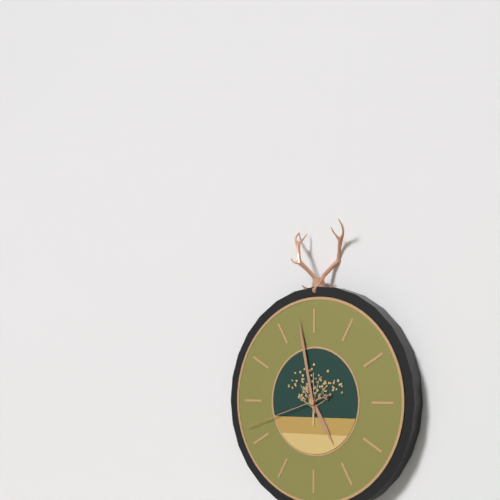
4:58:42
